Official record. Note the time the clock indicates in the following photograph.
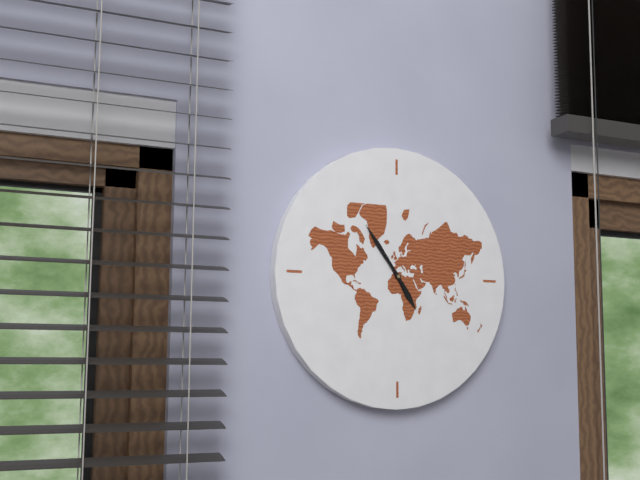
4:54
